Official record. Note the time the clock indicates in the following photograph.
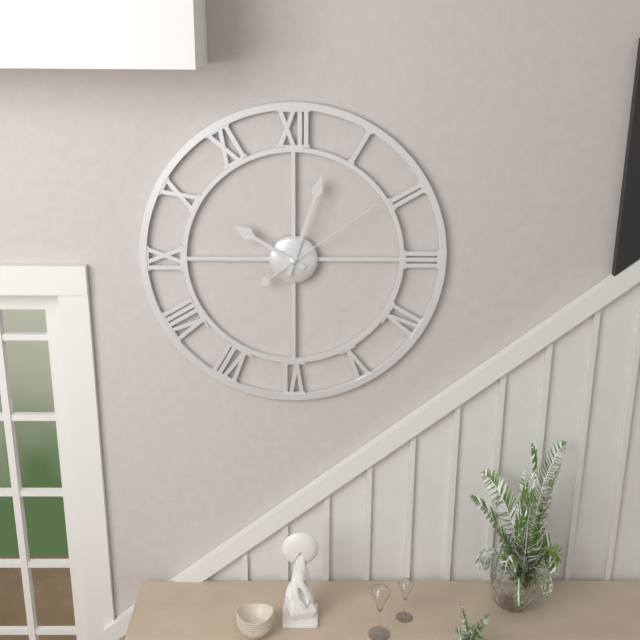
10:03:09
